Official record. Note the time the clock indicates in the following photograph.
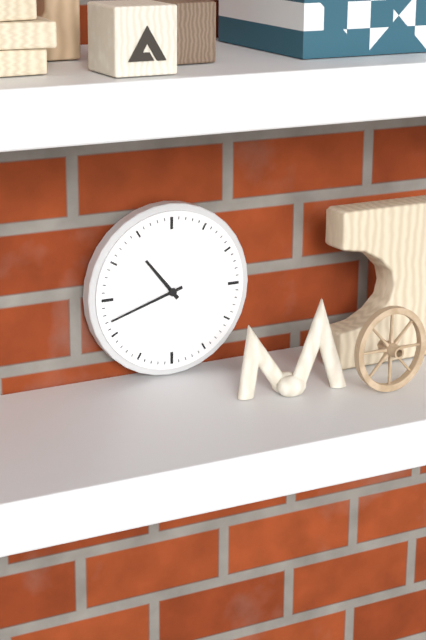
10:42
